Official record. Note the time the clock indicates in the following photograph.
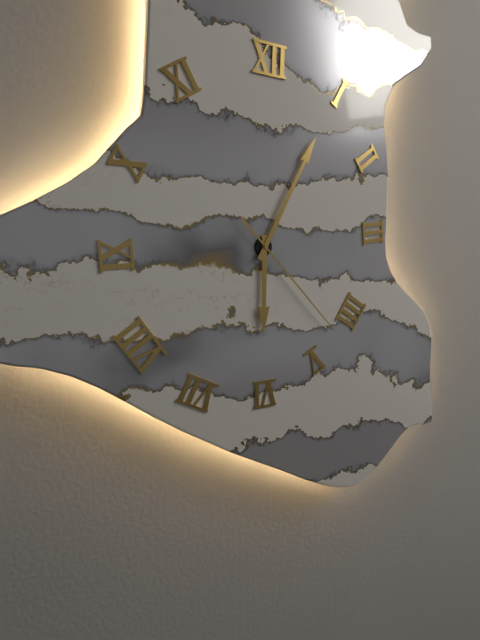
6:05:23
